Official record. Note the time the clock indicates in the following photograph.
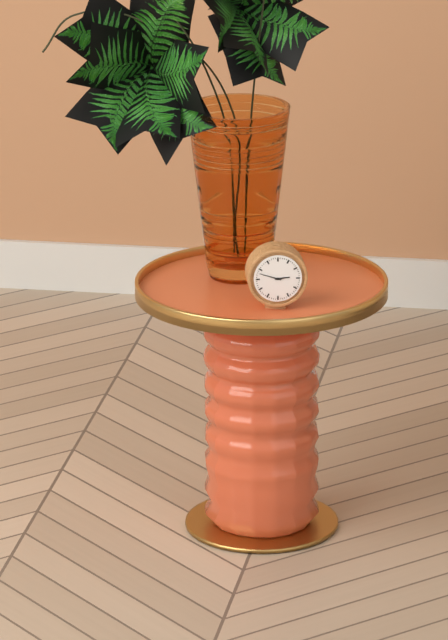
2:48
